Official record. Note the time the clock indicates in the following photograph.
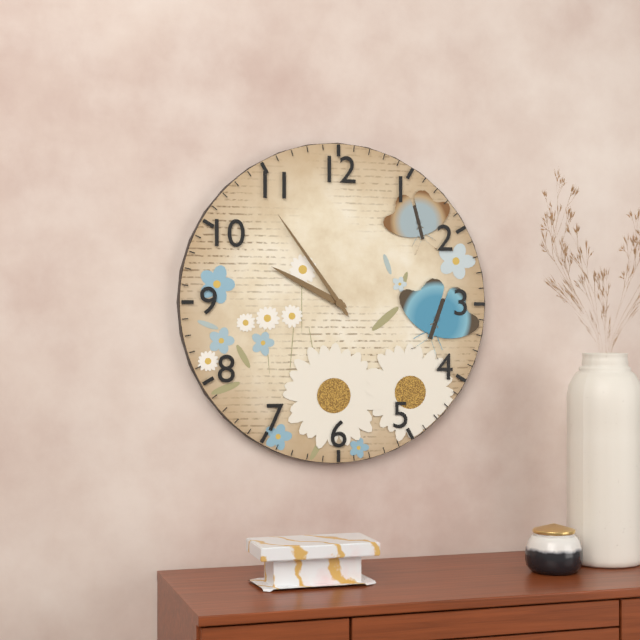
9:54
